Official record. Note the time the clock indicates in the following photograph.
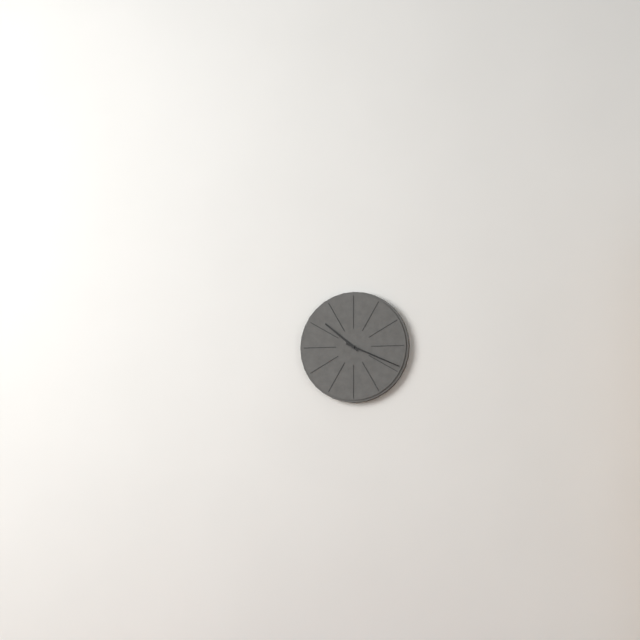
10:19
